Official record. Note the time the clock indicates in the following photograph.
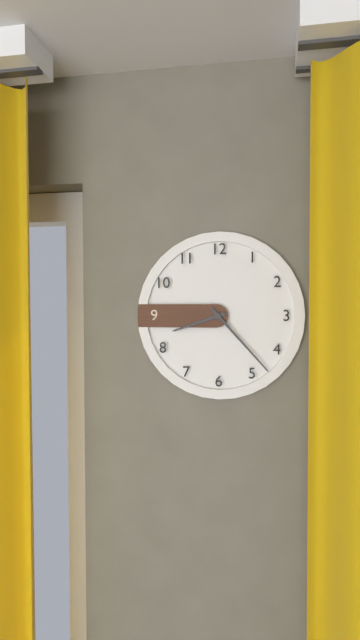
8:23
